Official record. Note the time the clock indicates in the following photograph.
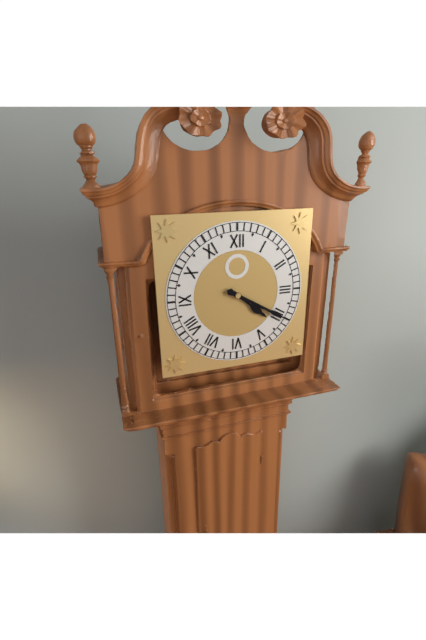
4:20
